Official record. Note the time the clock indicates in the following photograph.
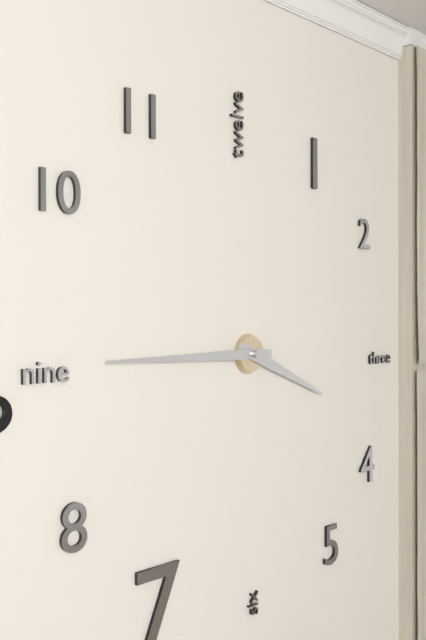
3:45
